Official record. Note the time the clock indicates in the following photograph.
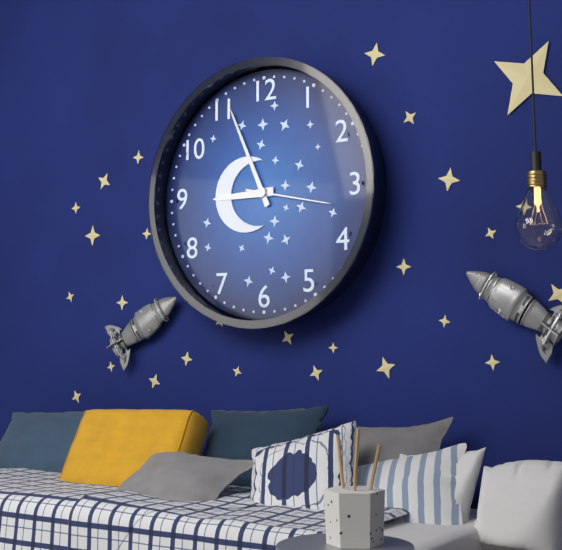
8:56:17
